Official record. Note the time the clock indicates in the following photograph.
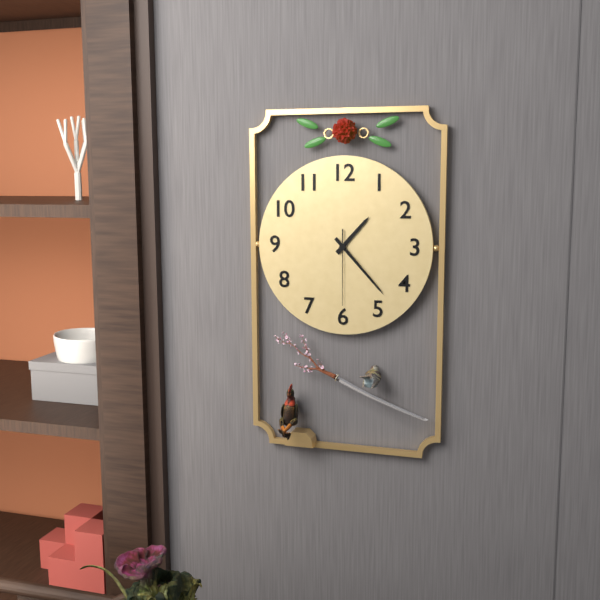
1:23:30
